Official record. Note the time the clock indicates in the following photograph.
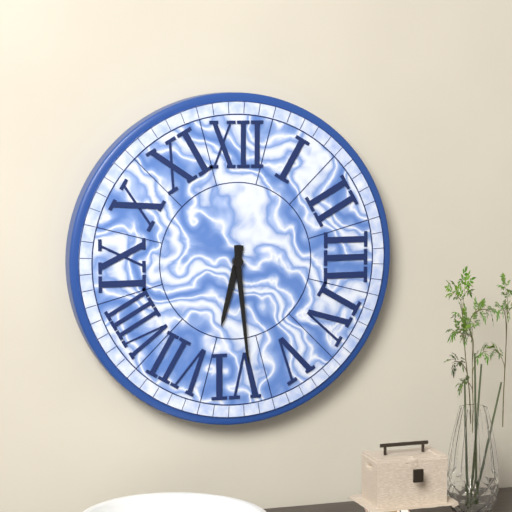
6:29
